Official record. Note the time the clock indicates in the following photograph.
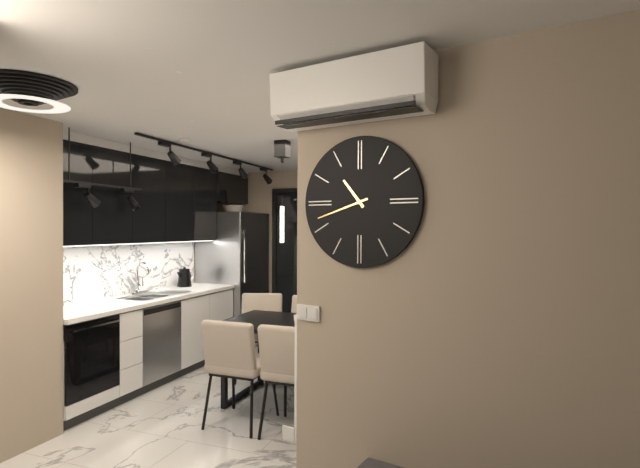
10:42
